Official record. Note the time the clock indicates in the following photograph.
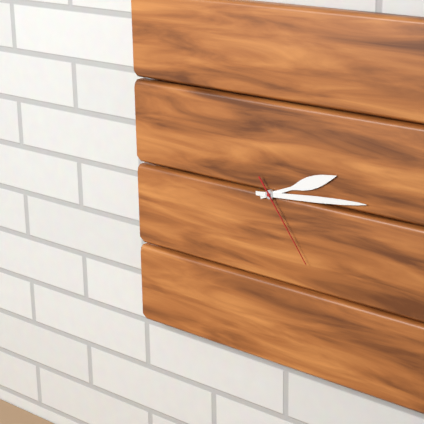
2:14:24
